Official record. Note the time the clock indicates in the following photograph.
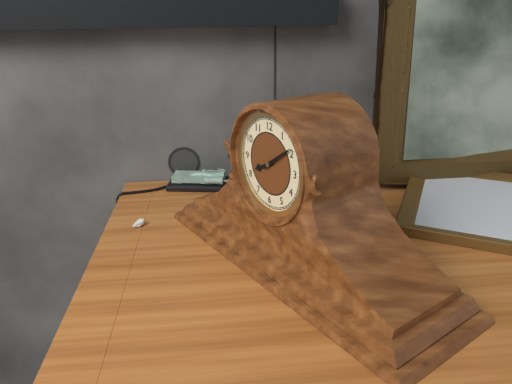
8:09
